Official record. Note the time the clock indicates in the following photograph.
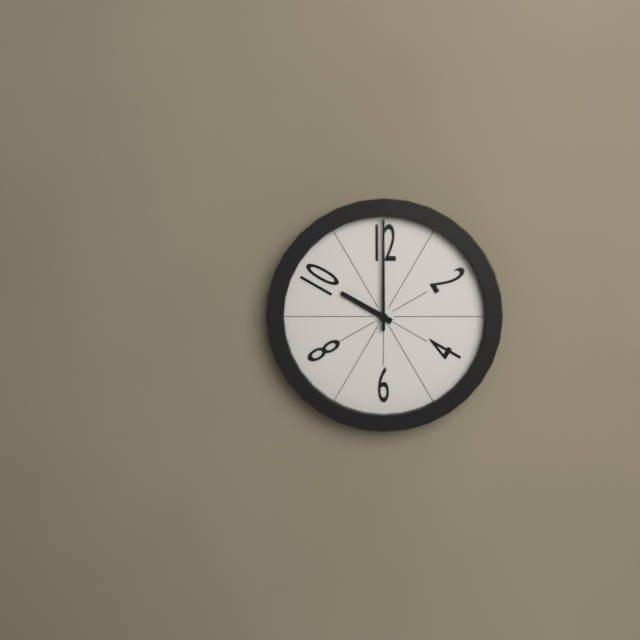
10:00
